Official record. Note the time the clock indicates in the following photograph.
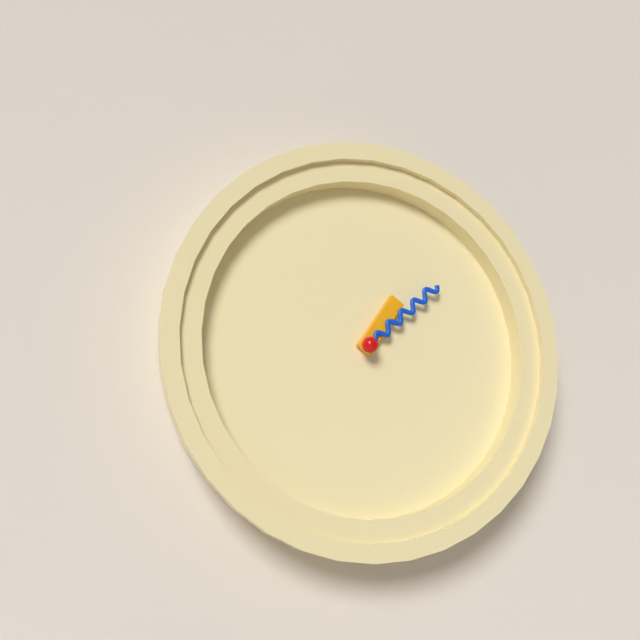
1:08
